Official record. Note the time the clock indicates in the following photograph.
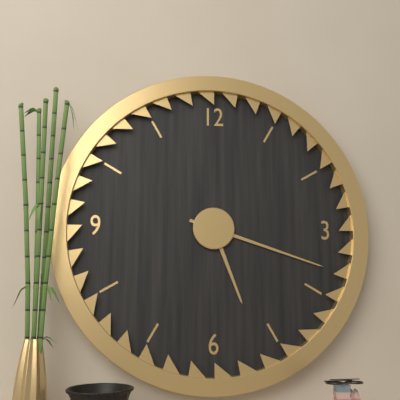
5:18
